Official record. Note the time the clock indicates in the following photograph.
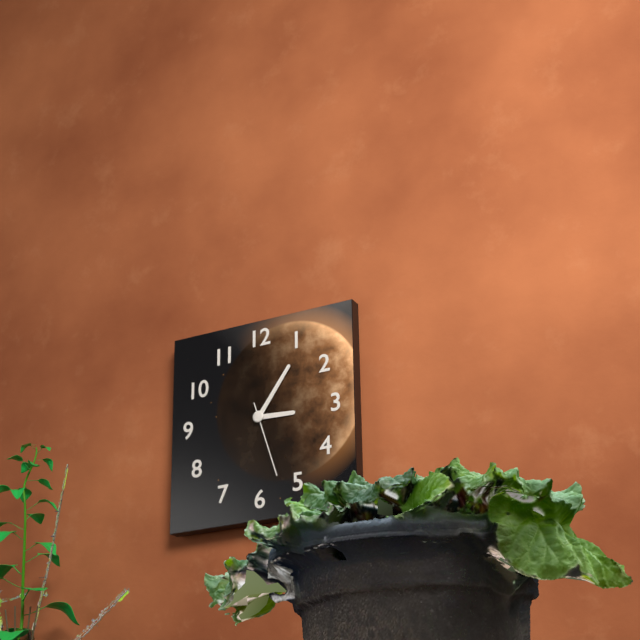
3:06:27
